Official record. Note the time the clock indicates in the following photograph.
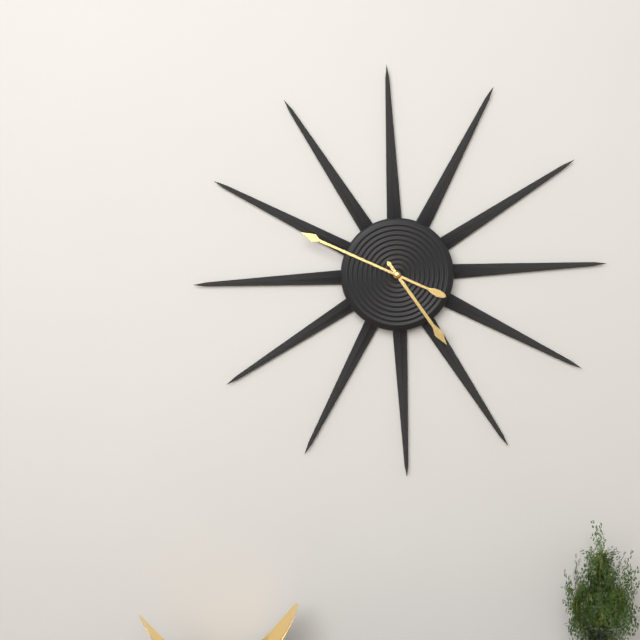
4:49
